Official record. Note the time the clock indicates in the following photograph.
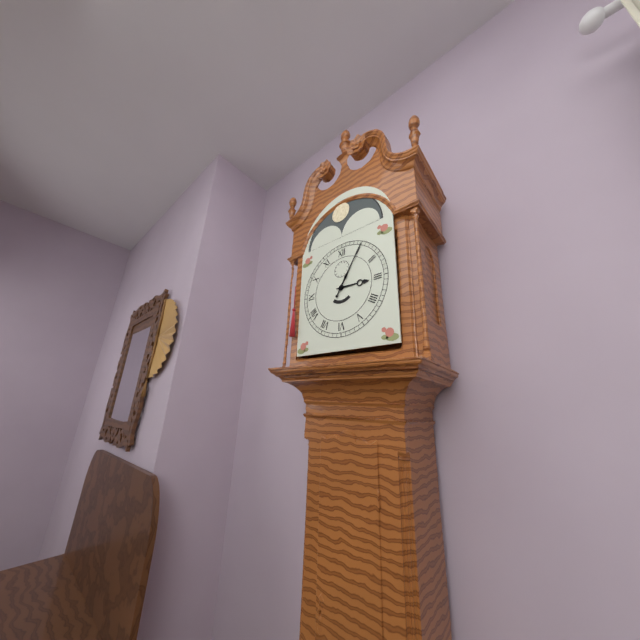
3:05
